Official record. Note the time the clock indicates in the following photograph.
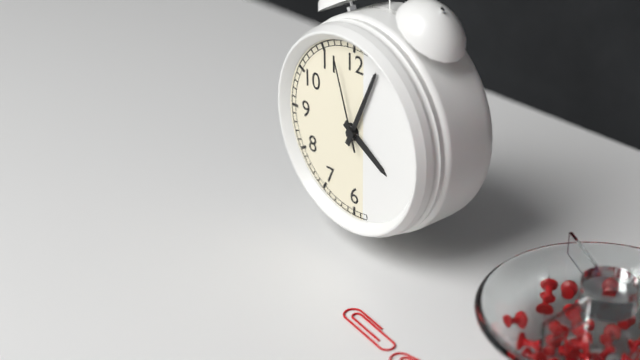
4:04:57
